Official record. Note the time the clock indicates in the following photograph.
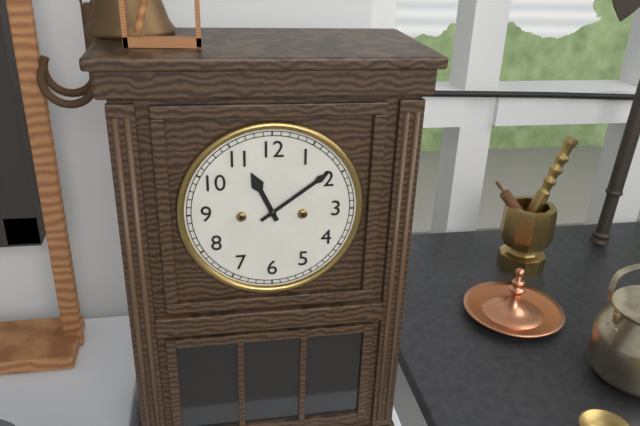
11:09
